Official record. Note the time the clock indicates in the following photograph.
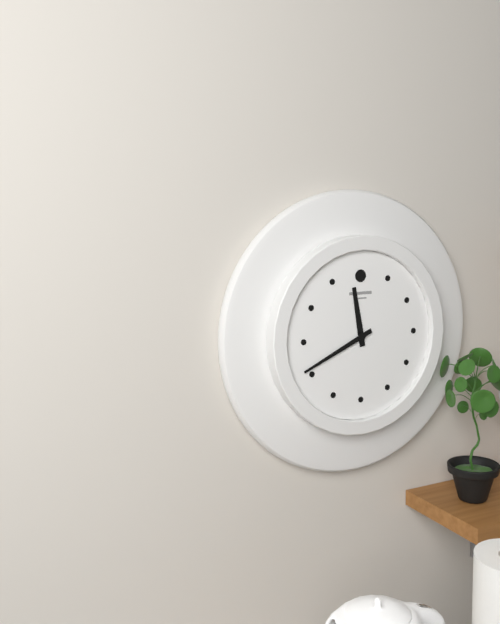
11:41
